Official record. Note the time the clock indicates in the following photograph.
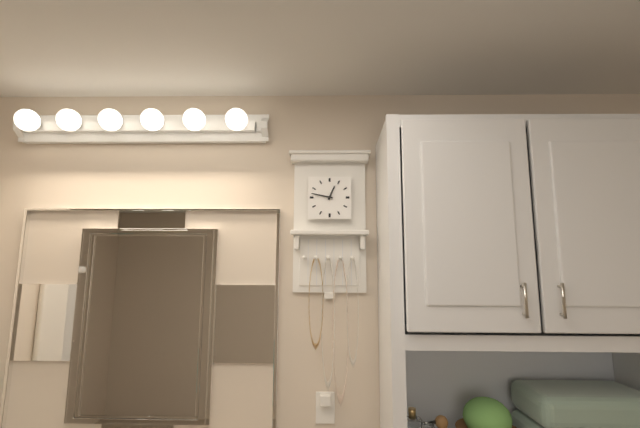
12:47
